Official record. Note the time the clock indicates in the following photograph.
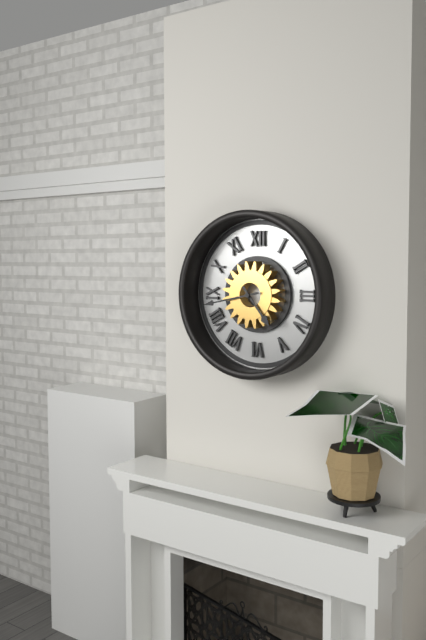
4:43
